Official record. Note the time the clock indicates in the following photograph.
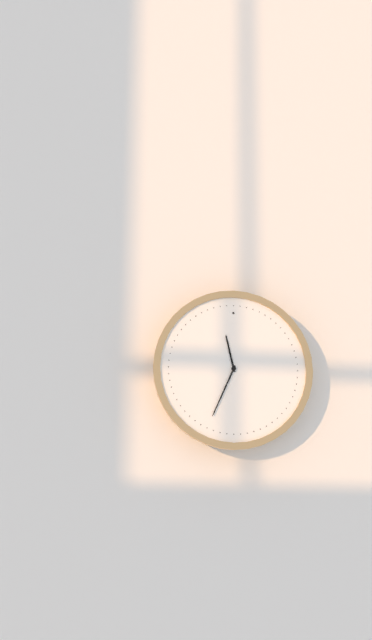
11:34
